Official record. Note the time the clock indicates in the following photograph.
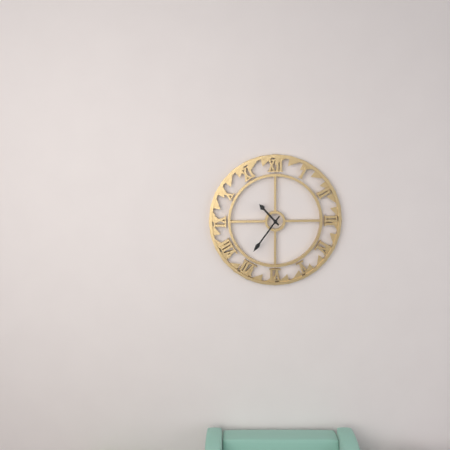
10:36
